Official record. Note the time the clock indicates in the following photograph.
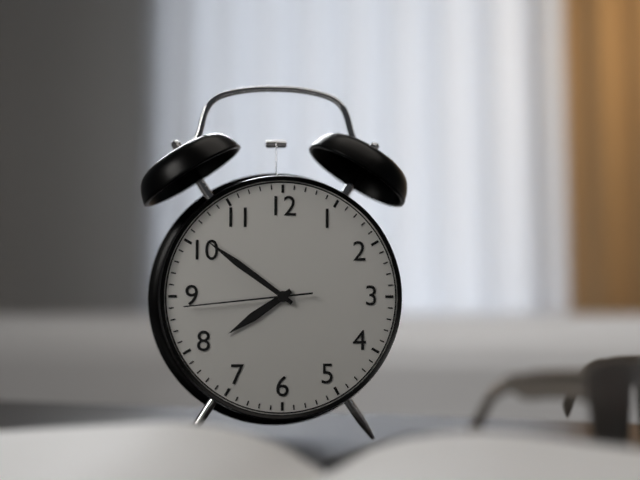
7:51:44
